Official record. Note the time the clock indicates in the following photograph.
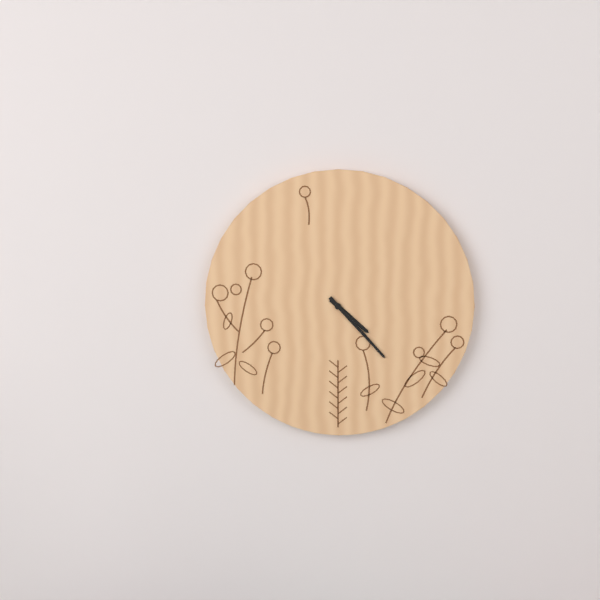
4:23
